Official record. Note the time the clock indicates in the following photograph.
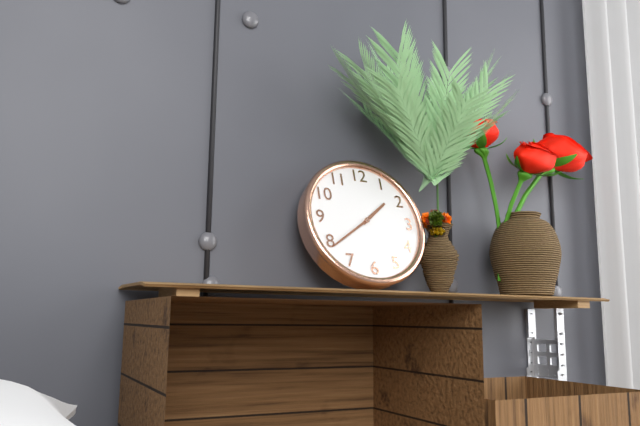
1:39
